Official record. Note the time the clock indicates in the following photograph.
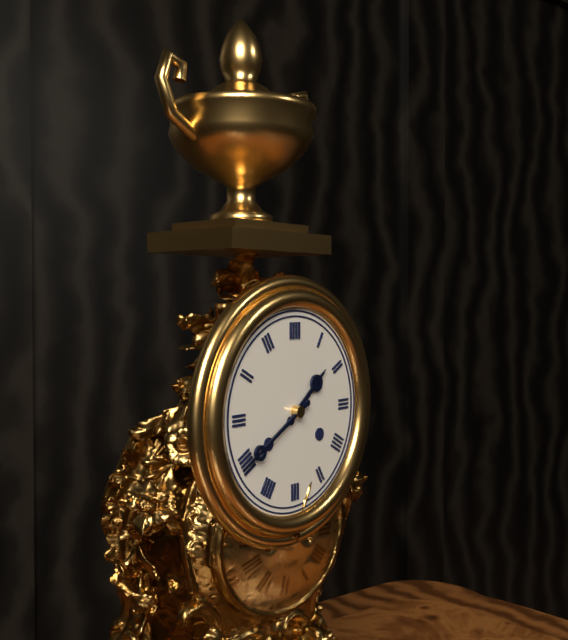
1:40
